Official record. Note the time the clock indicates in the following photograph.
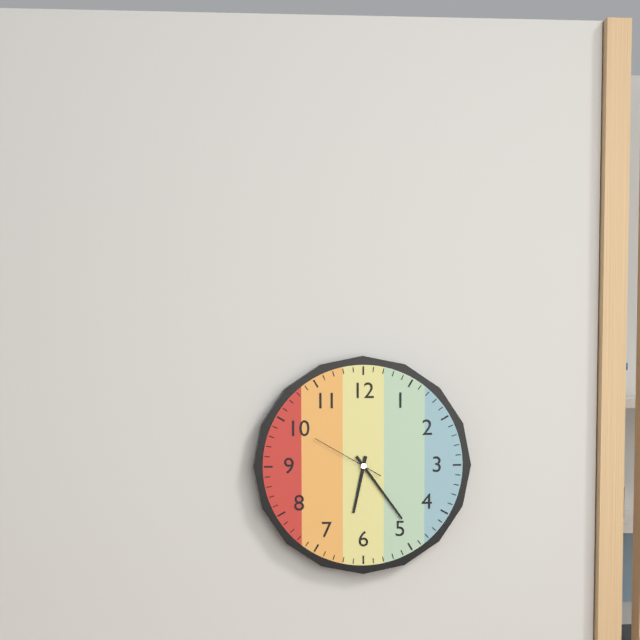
6:24:50
